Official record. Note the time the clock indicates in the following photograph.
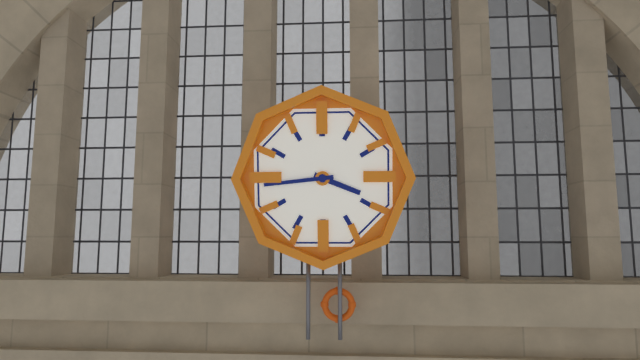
3:44
